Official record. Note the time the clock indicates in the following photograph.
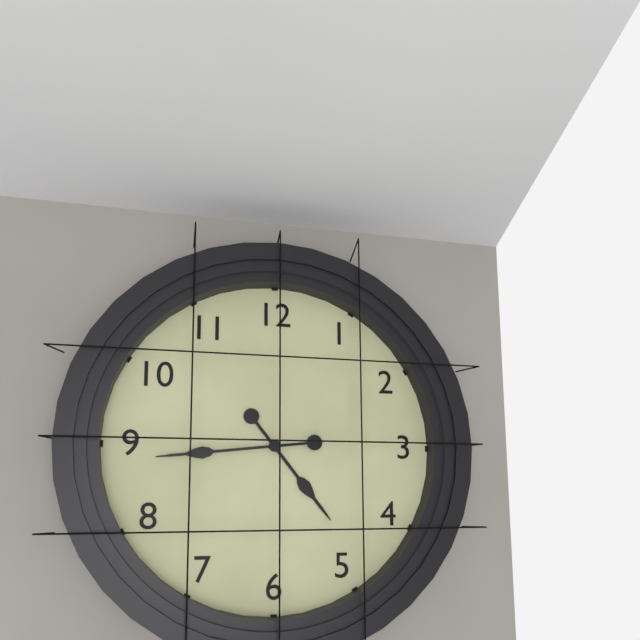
4:44
